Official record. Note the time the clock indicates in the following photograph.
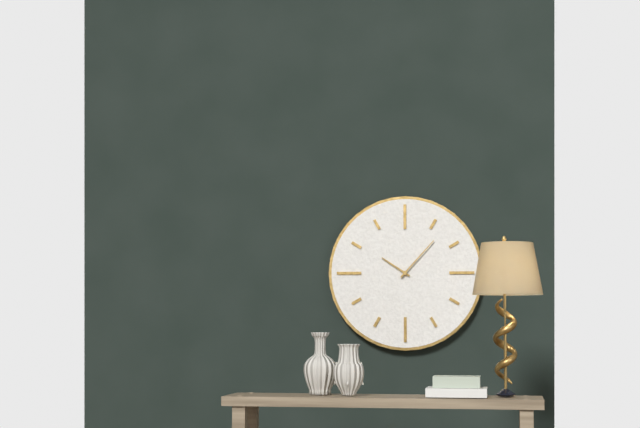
10:07
